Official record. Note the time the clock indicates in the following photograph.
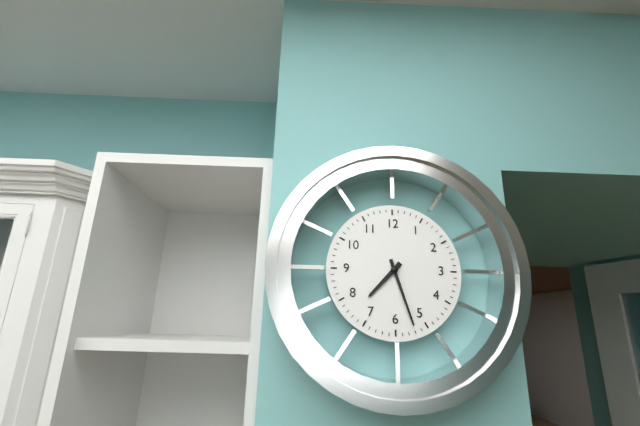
7:27
